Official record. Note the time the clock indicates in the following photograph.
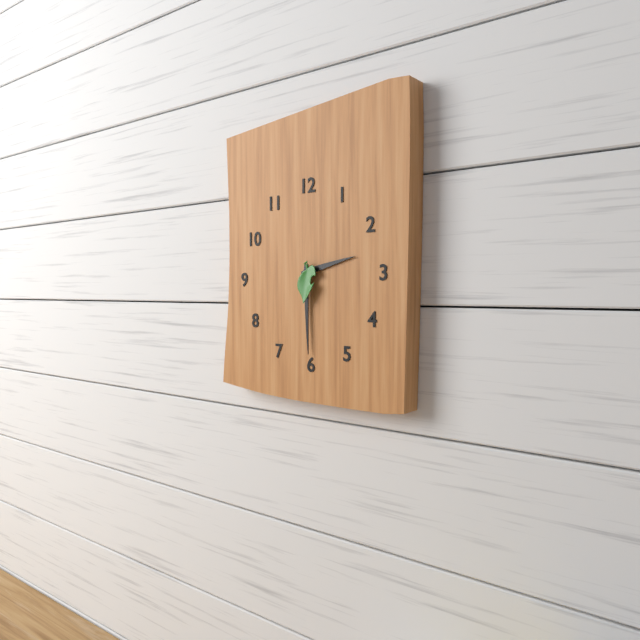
2:30
